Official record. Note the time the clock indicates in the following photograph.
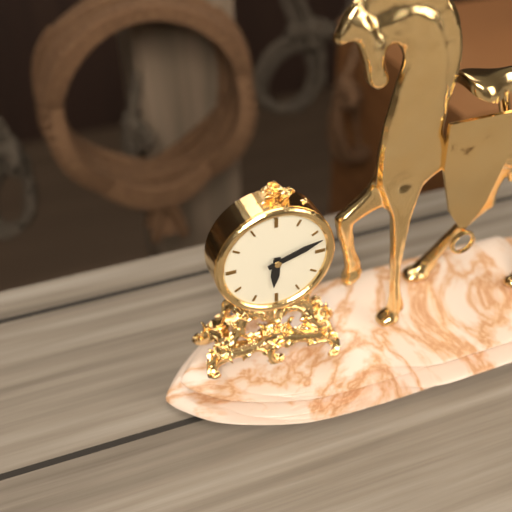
6:12
